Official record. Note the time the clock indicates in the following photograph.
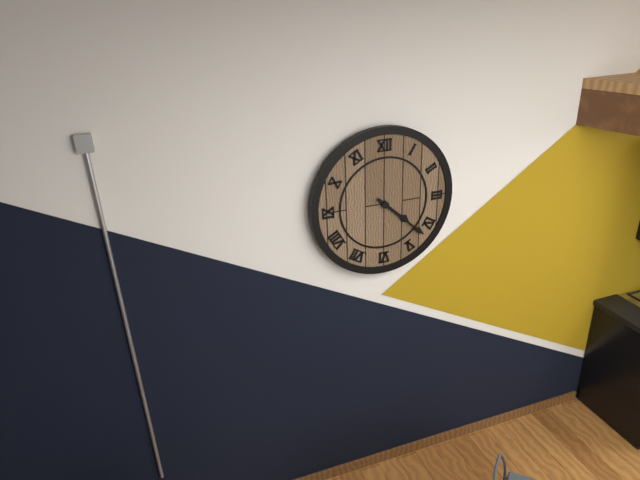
4:22
